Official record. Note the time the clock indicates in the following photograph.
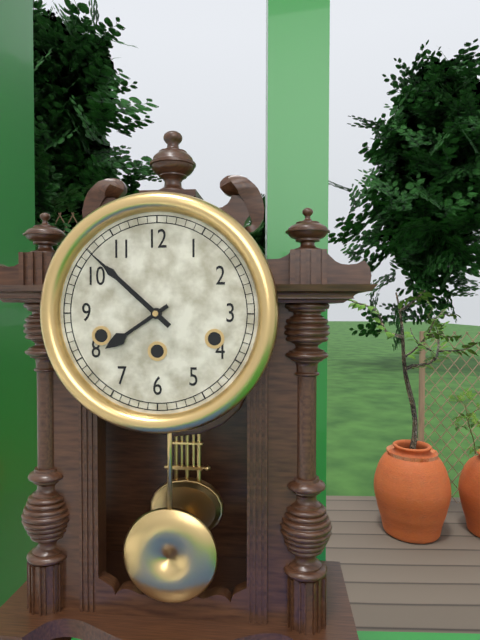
7:52
